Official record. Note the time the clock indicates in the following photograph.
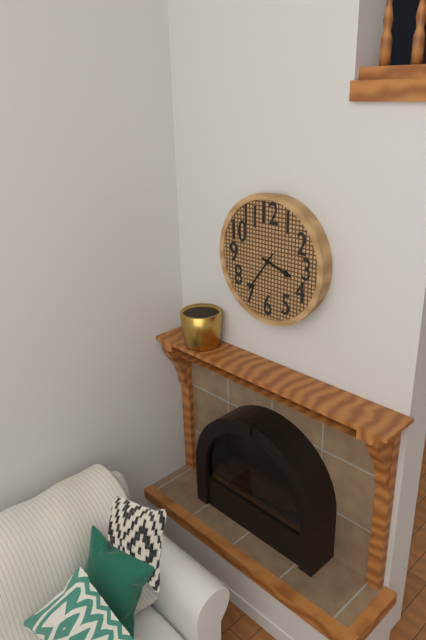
3:36
